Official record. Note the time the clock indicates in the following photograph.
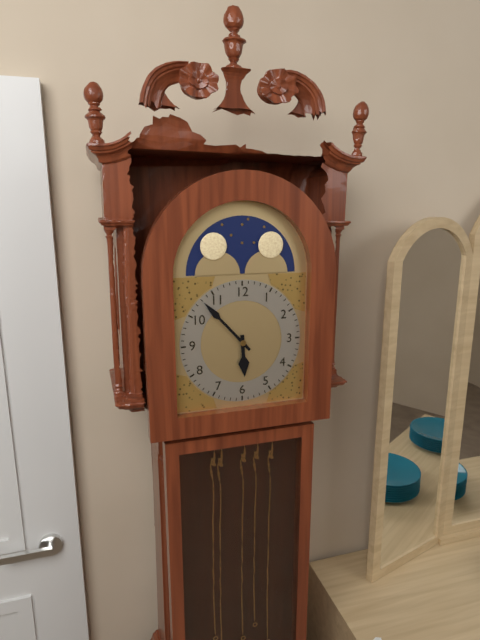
5:53
